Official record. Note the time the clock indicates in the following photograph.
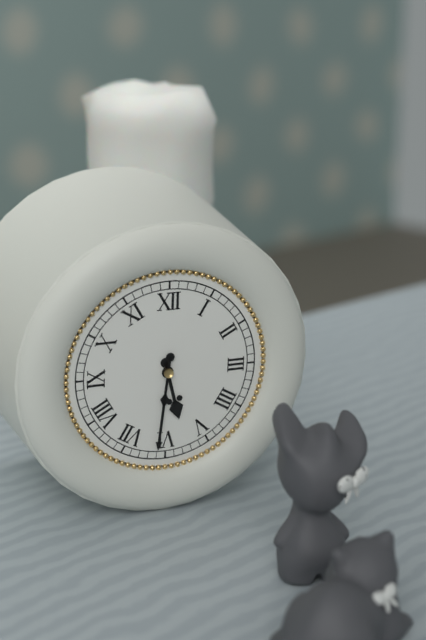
5:31
